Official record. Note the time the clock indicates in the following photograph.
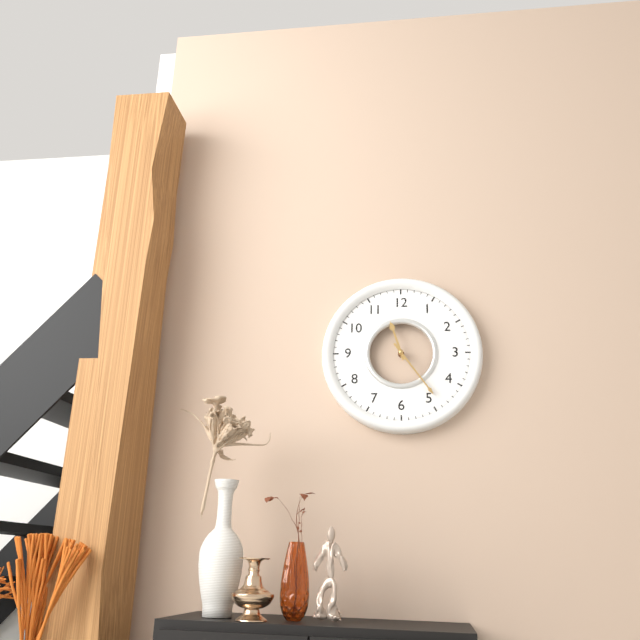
11:24
